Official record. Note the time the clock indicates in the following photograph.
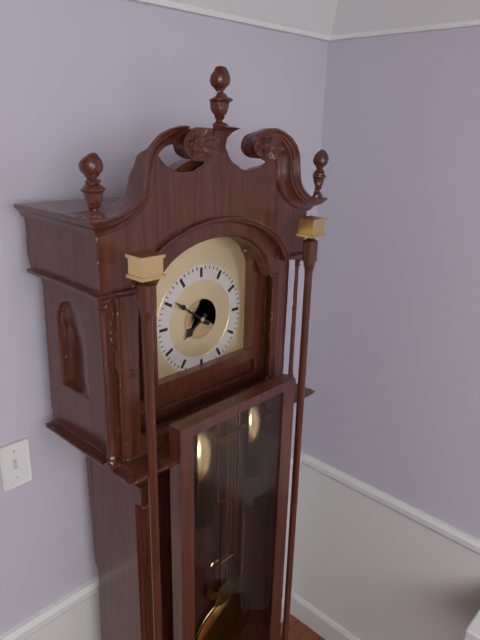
7:51
